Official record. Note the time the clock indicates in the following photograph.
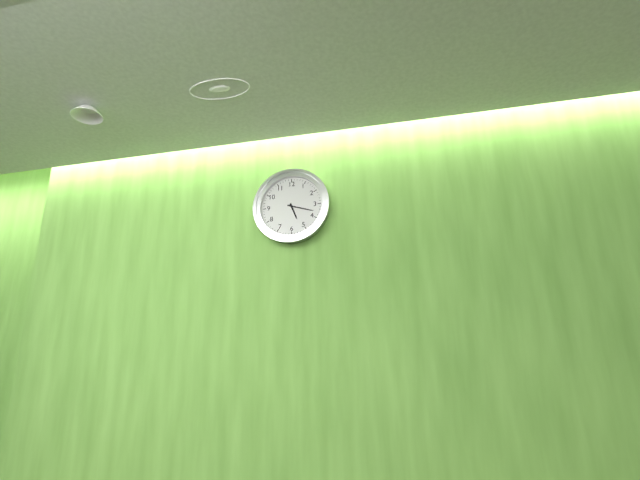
5:18
